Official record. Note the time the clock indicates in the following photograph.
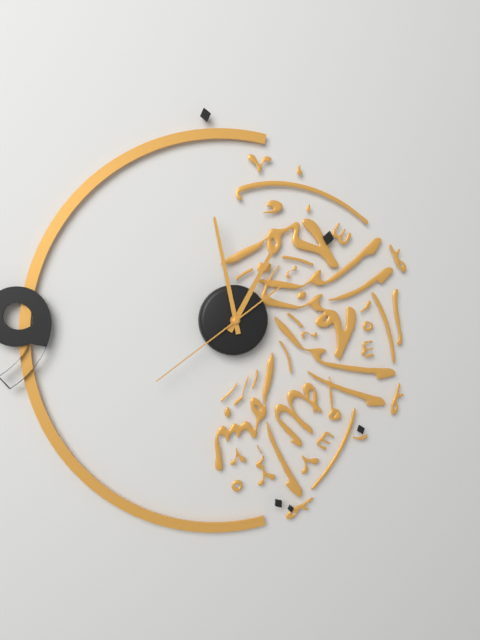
12:58:39
